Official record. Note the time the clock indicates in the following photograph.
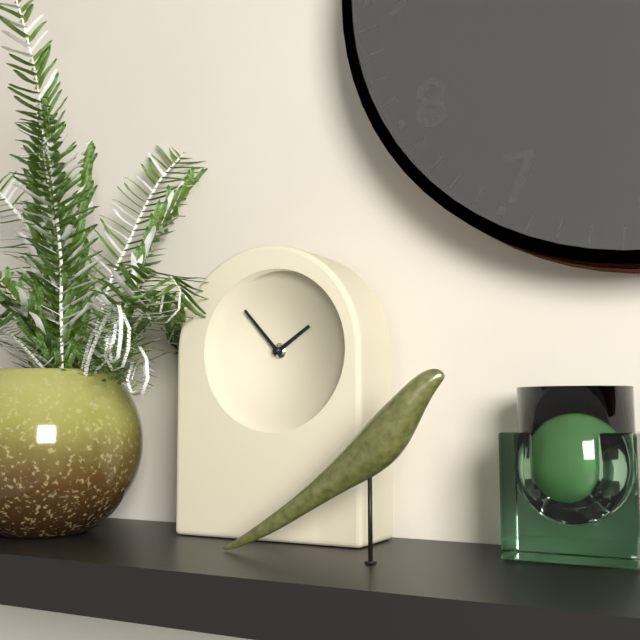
1:53
